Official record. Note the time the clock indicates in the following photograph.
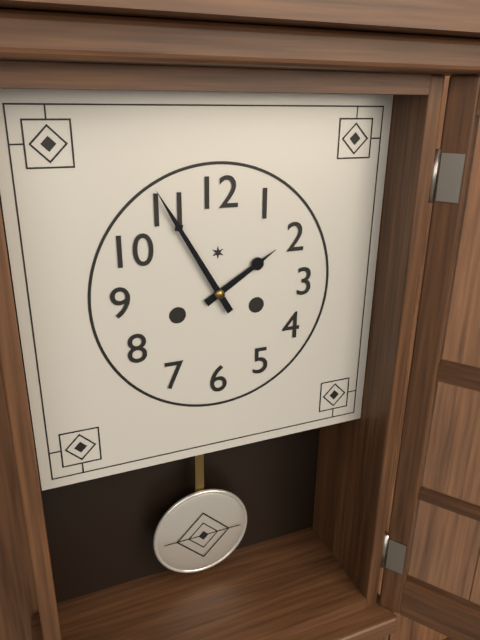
1:55
